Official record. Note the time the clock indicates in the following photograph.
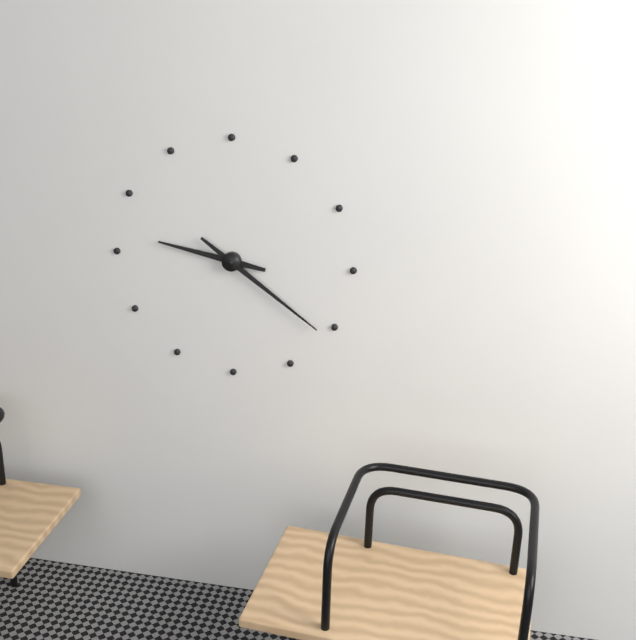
9:21
